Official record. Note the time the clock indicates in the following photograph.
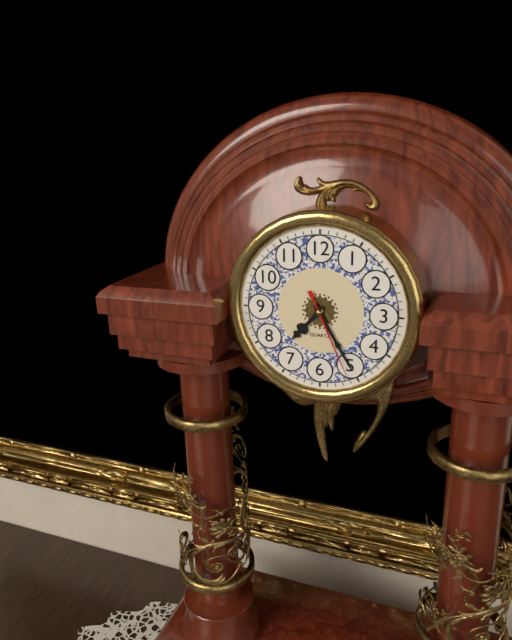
7:25:26
